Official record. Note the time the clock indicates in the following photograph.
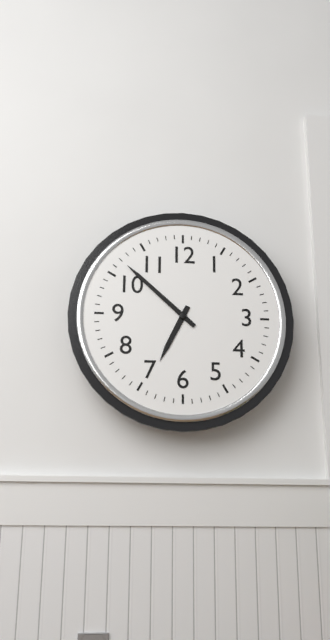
6:52
